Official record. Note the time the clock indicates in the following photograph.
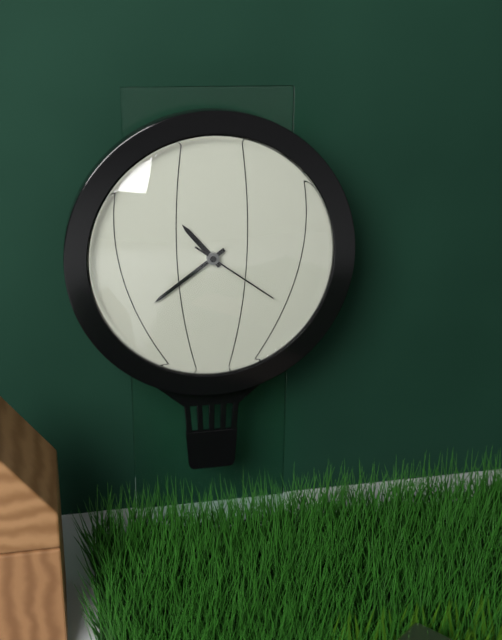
10:39:21
